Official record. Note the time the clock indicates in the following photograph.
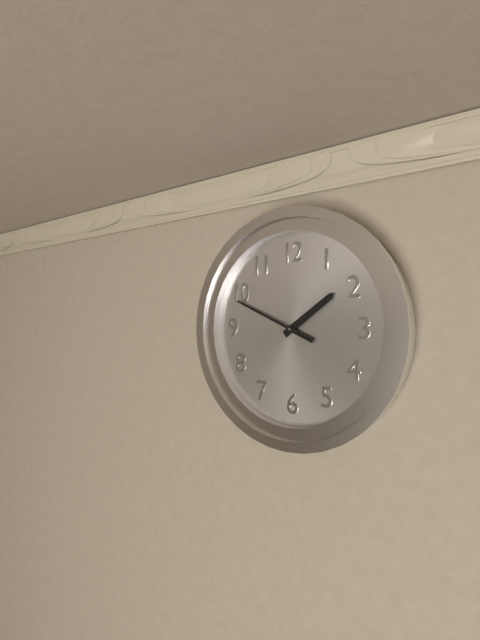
1:49
